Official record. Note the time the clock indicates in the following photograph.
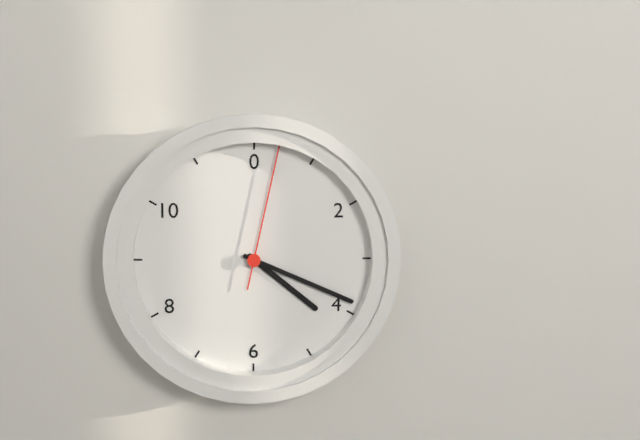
4:19:02
